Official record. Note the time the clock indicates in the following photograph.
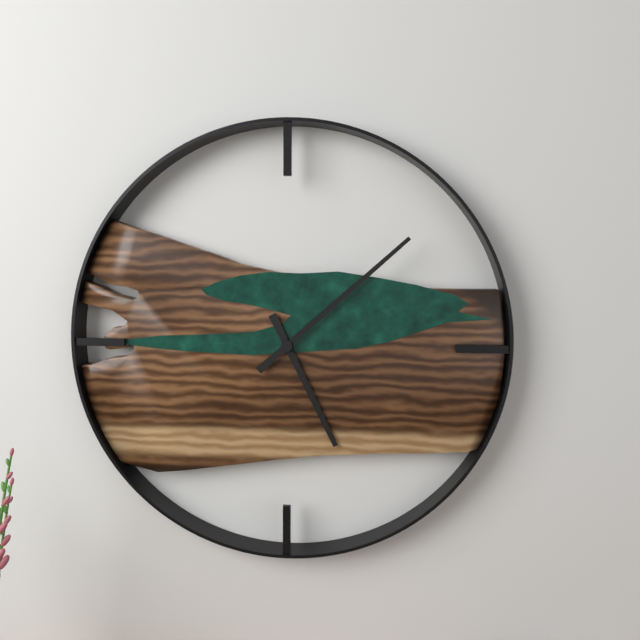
5:08
